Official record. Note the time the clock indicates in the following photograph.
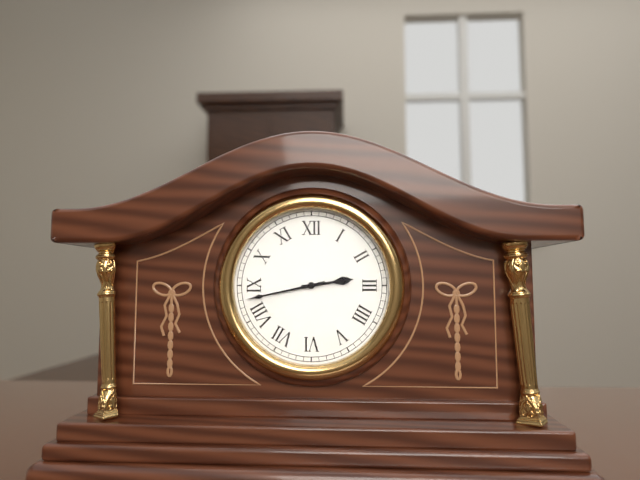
2:43
